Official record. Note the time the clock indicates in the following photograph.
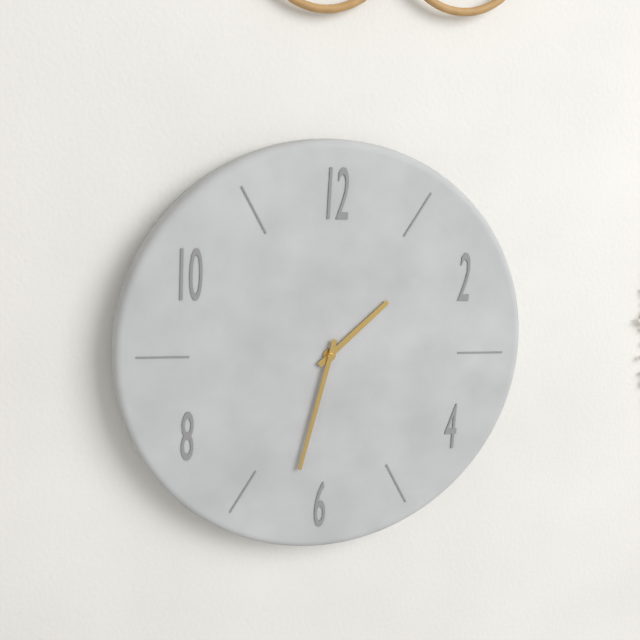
1:32
